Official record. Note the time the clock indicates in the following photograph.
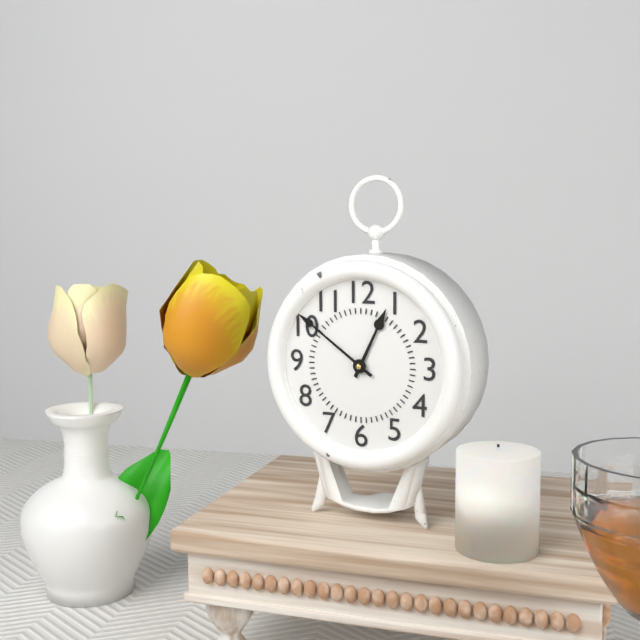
12:51
